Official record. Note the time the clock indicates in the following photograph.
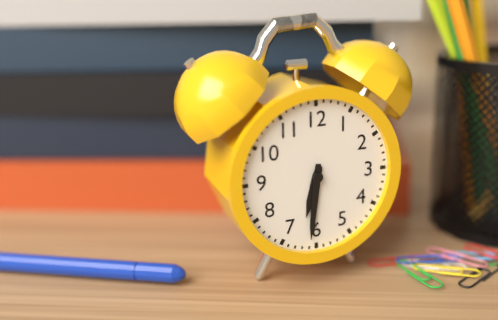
6:31
